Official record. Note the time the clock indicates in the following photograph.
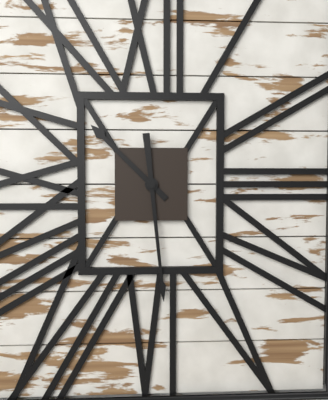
10:29
